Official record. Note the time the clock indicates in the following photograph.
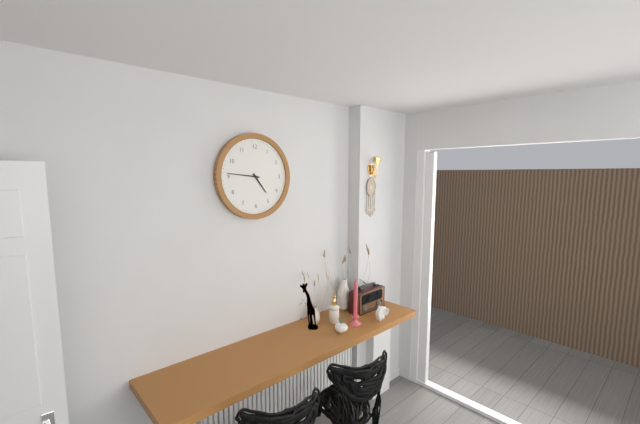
4:46
